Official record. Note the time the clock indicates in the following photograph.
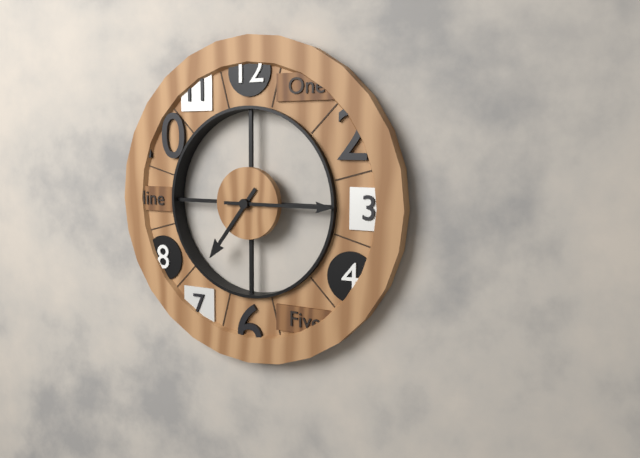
7:15
